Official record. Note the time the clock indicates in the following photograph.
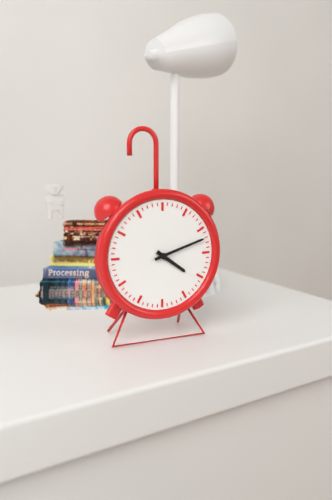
4:12
